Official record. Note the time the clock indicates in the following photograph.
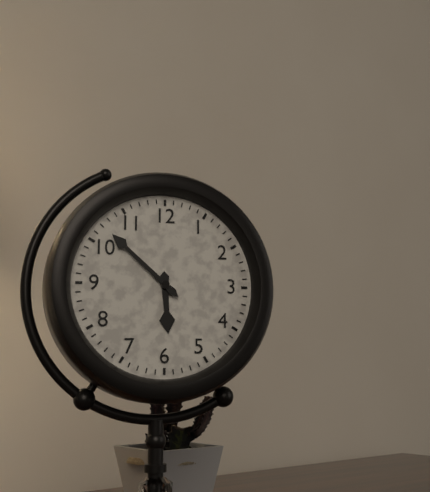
5:52
